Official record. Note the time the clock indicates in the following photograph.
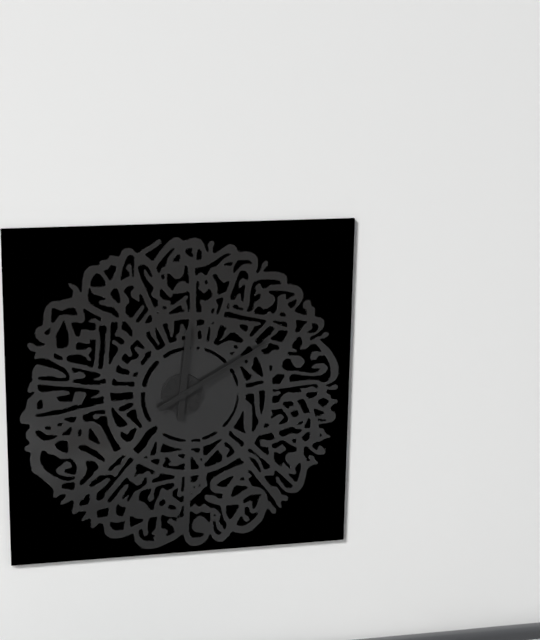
12:10
